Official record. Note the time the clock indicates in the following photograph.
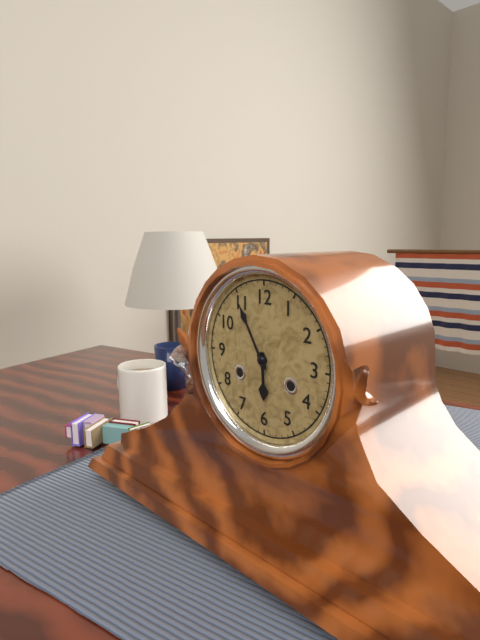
5:55
